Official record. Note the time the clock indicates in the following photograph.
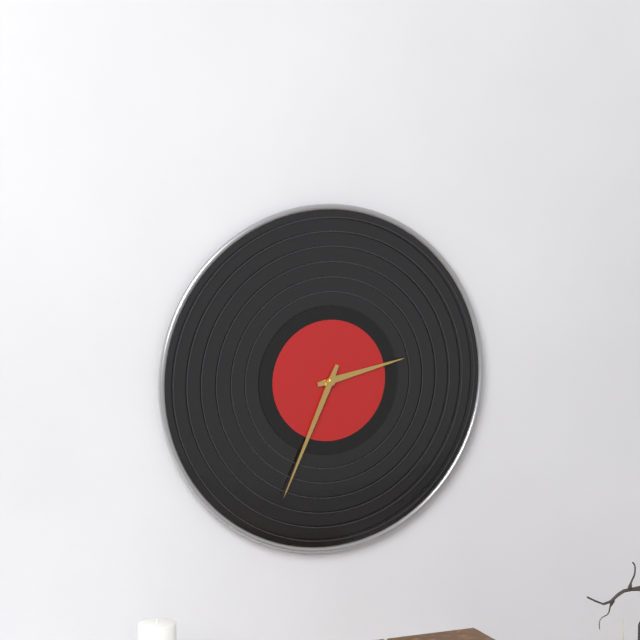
2:34
